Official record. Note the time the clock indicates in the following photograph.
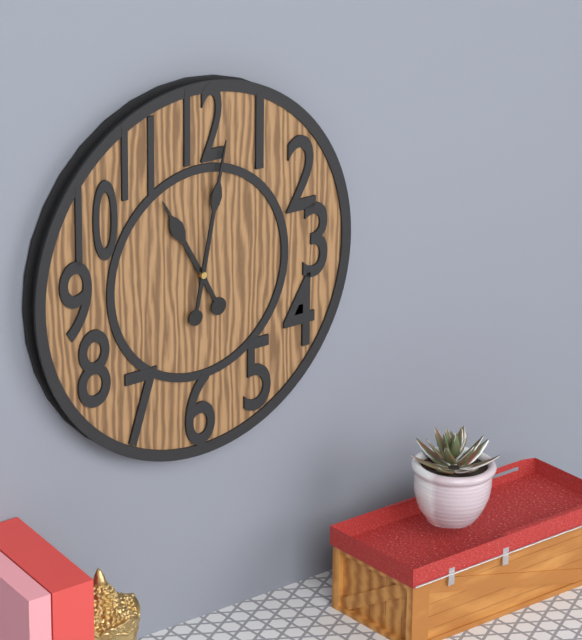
11:02
